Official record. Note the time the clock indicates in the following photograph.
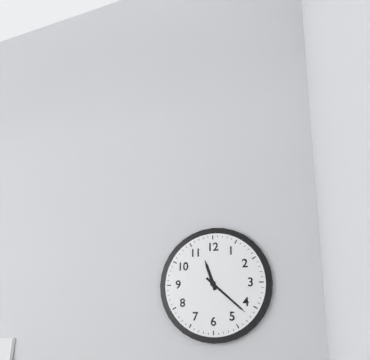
11:22
